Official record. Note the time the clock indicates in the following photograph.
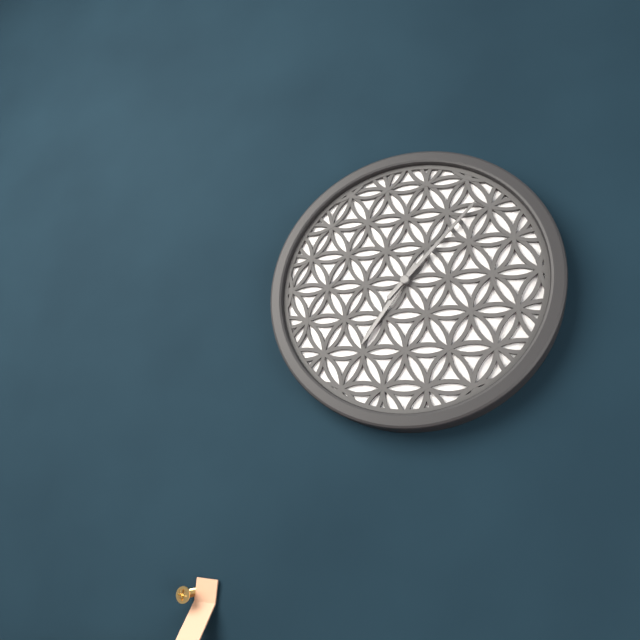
7:07
